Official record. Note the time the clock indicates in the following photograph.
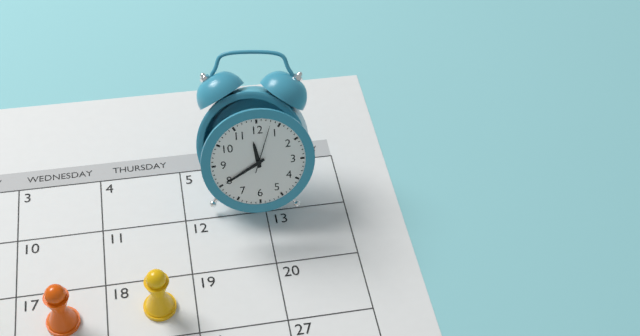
11:40
